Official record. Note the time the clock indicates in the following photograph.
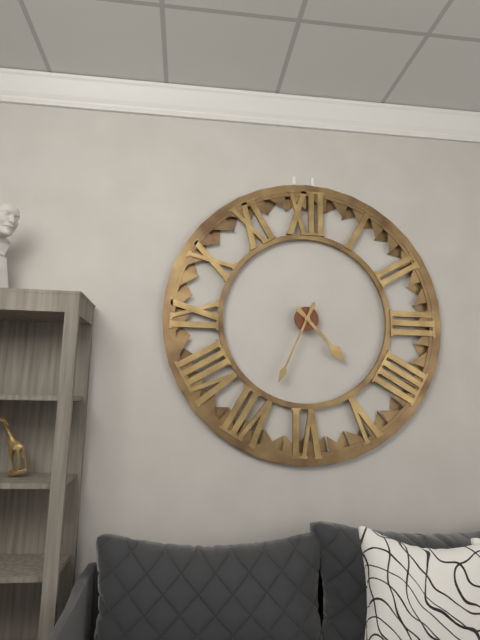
4:34
